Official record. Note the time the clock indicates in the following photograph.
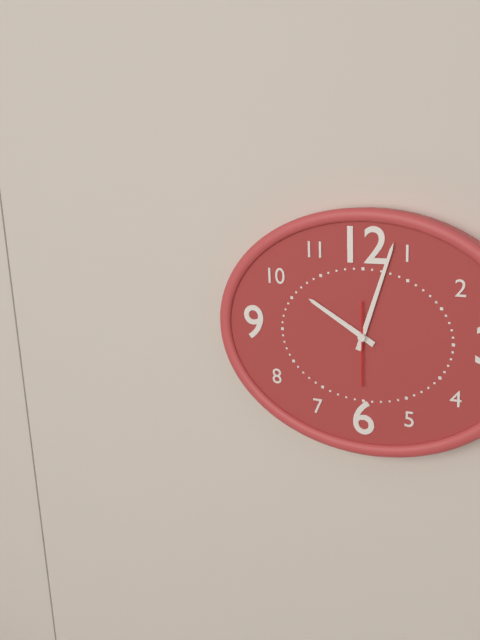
10:03:30
